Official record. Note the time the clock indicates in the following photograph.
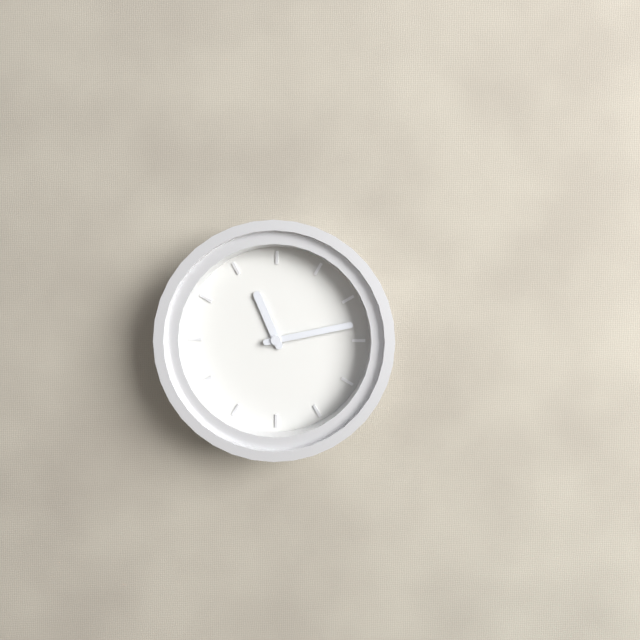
11:13
